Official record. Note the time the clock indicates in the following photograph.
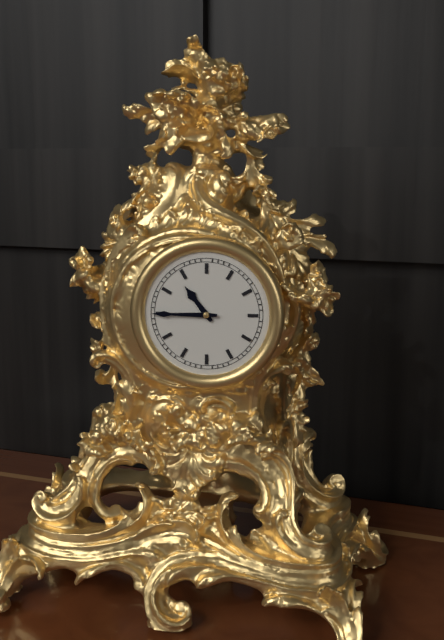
10:45
